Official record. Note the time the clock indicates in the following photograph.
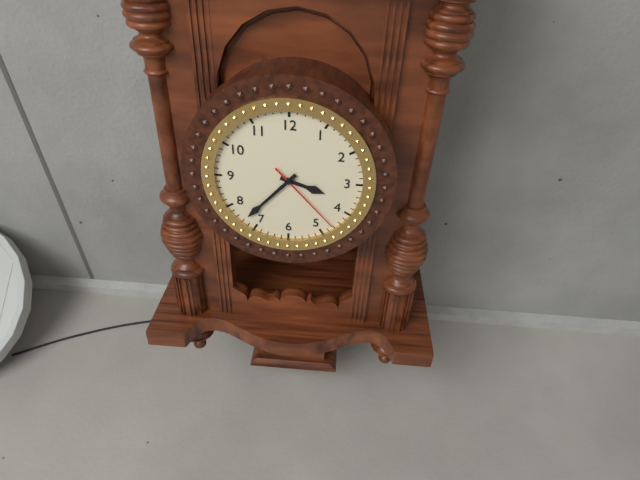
3:37:23
